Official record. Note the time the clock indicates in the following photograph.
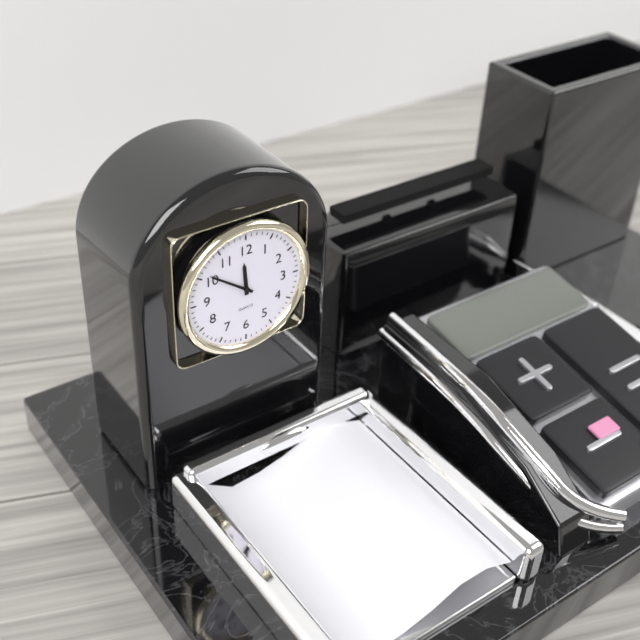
11:51
